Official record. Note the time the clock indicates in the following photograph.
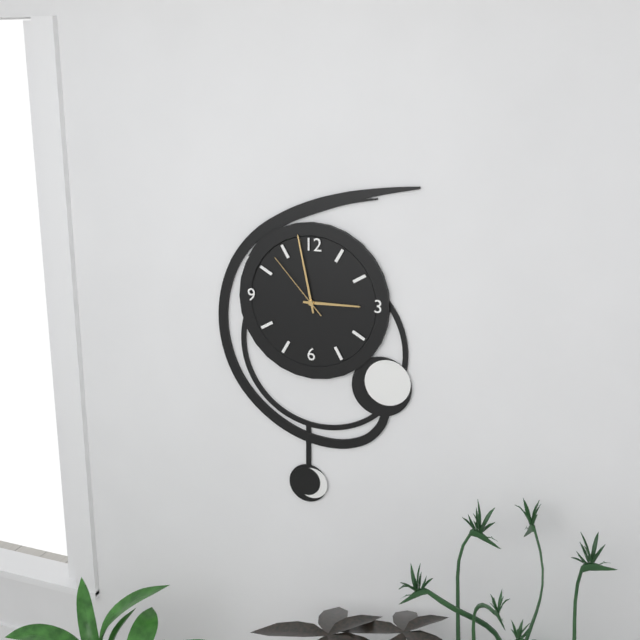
2:58:53
